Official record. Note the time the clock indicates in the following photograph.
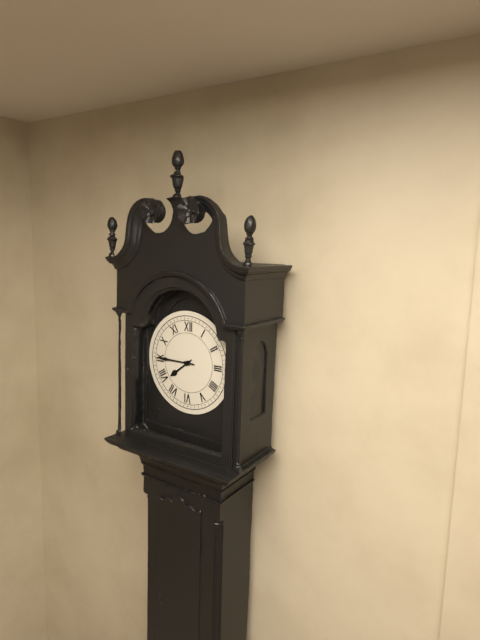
7:45
